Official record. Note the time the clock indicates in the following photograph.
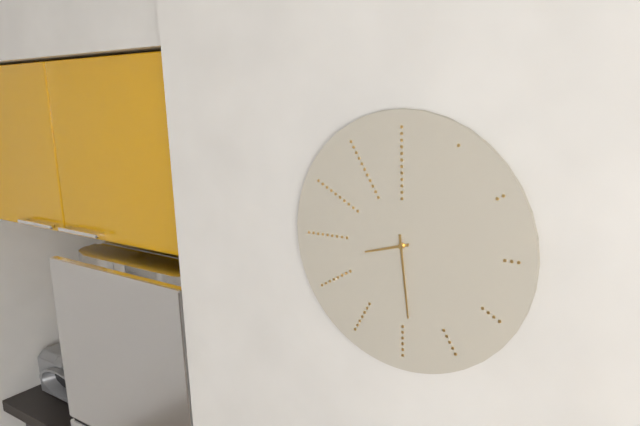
8:29
